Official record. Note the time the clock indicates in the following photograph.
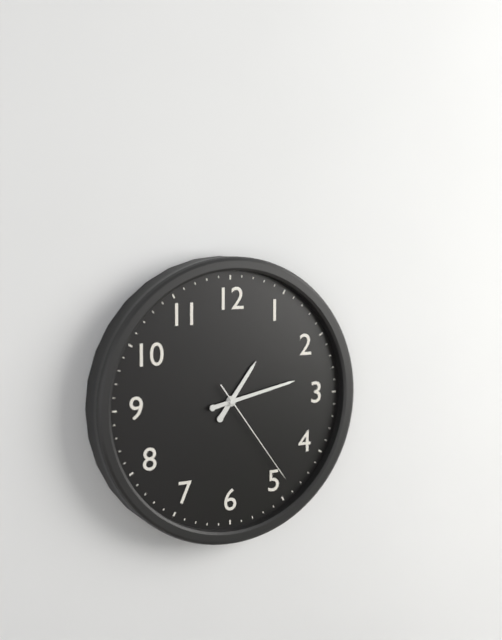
1:13:24
